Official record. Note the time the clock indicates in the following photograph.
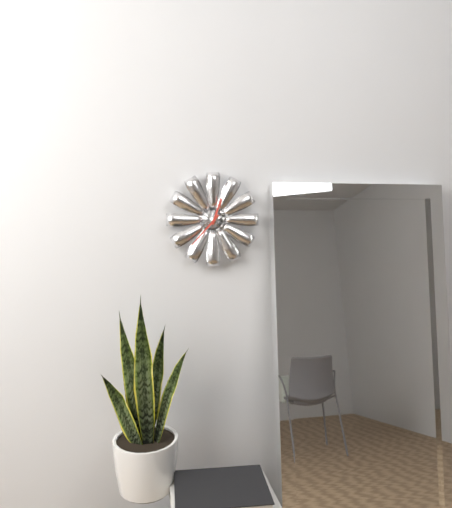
12:37
